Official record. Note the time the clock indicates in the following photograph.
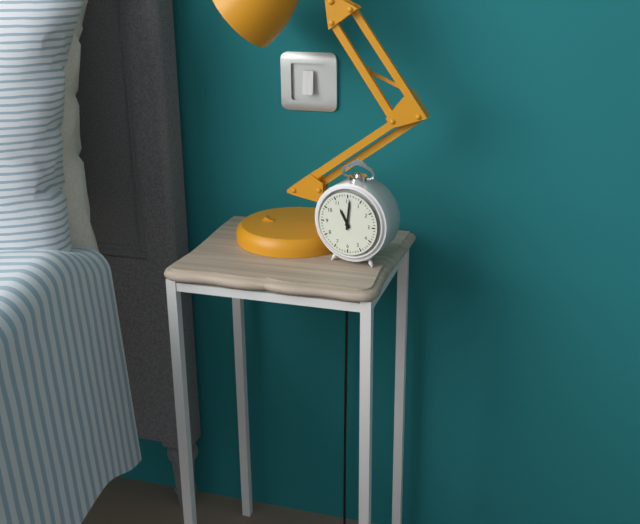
11:01
